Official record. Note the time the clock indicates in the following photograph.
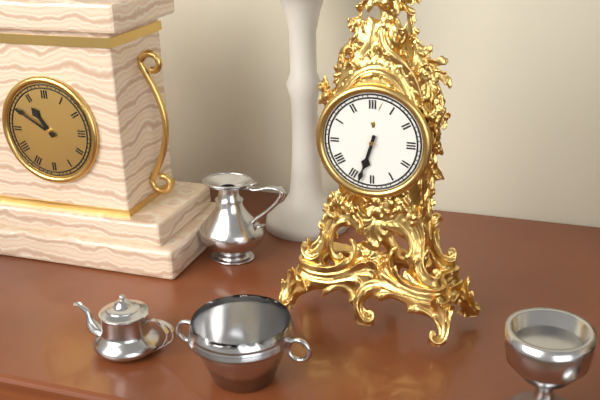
6:33
